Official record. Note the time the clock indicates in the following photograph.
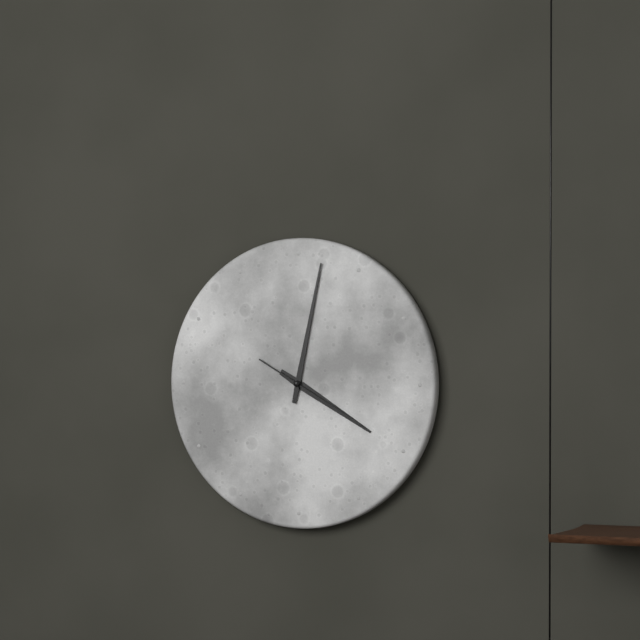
4:02:20
